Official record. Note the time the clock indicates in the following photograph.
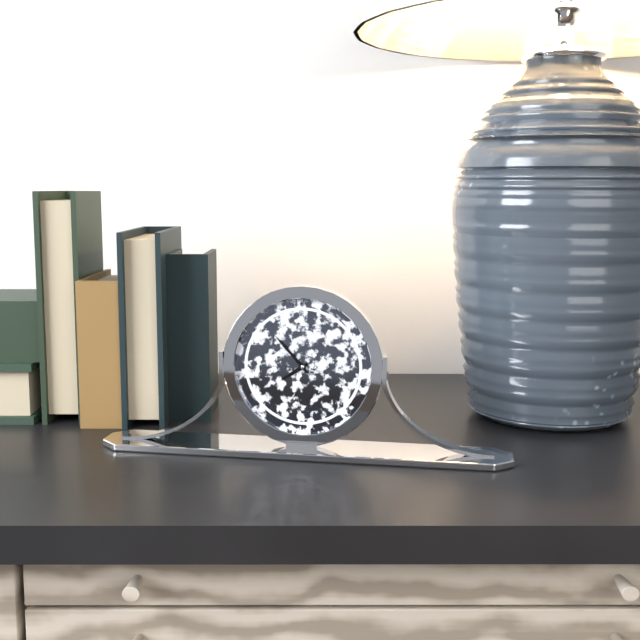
7:53
